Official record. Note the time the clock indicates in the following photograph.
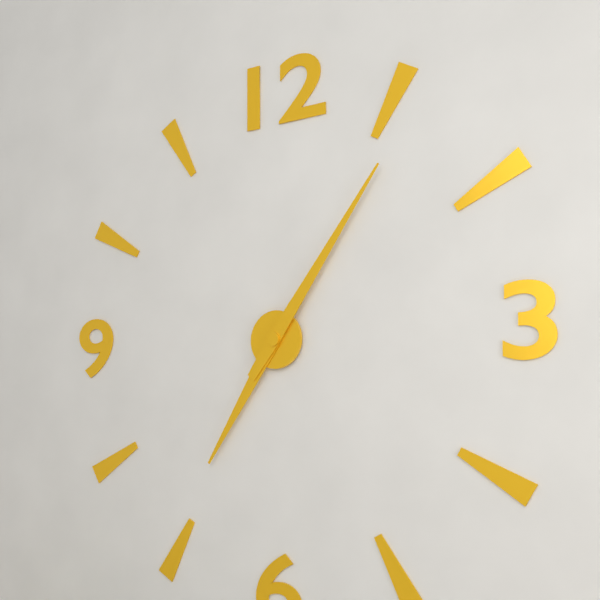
7:06
